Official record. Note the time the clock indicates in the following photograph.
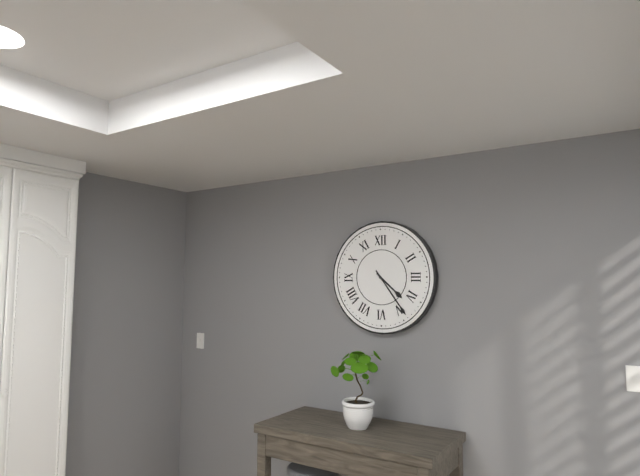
4:24
